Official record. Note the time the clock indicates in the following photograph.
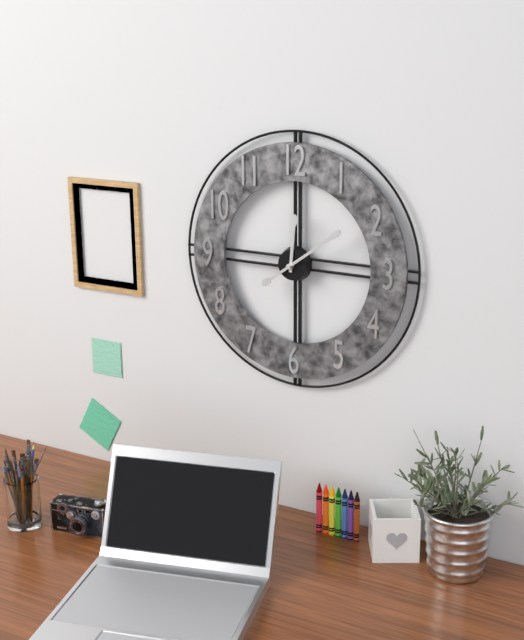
12:09
